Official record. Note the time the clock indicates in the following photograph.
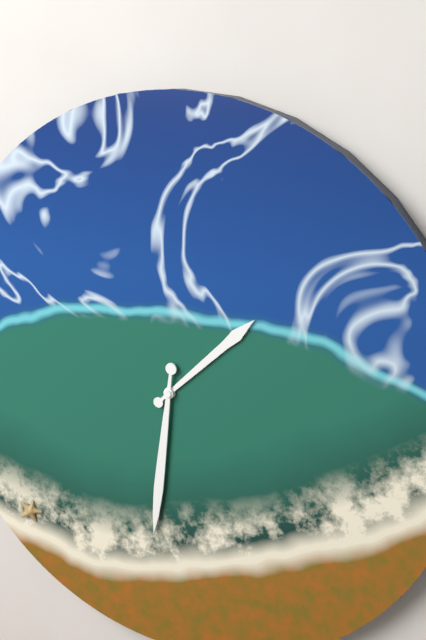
1:31
